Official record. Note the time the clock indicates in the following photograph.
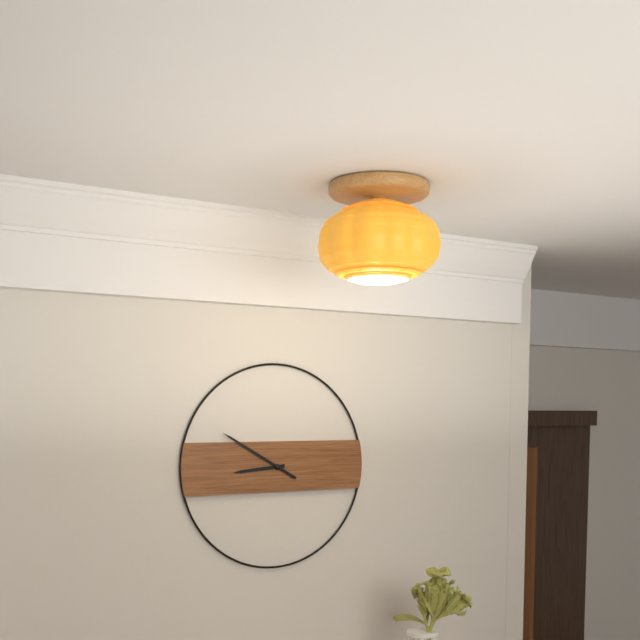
8:50
